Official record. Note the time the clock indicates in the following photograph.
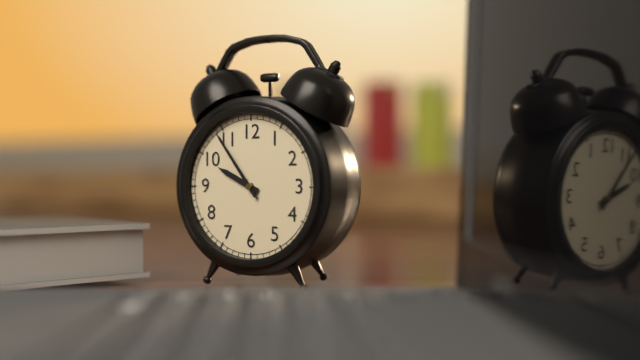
9:54
